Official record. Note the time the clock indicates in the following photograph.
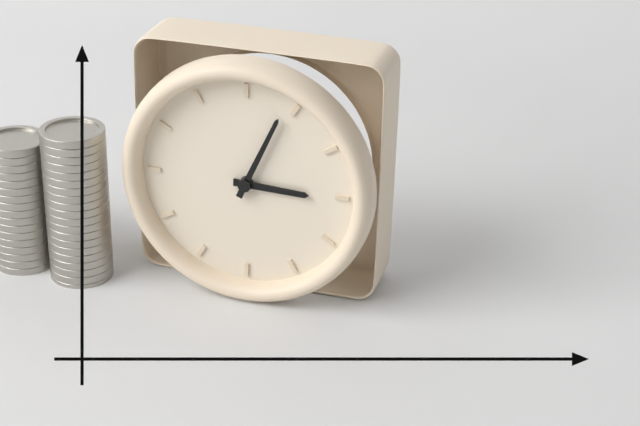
3:04
